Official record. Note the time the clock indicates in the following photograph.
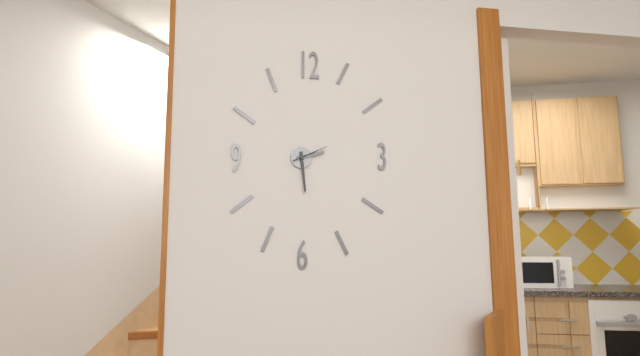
2:29
